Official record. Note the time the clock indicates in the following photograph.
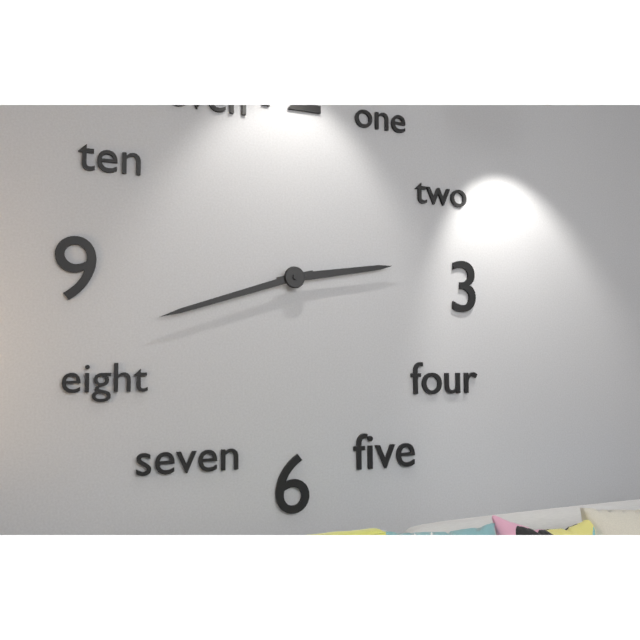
2:42
